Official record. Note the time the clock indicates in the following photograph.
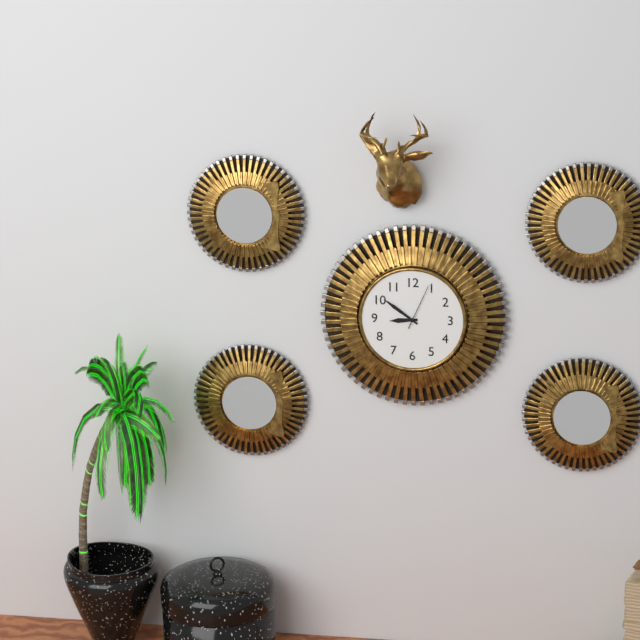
8:51
